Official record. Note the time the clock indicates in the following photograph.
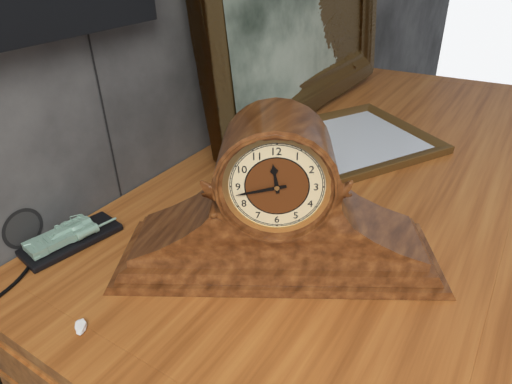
11:43
